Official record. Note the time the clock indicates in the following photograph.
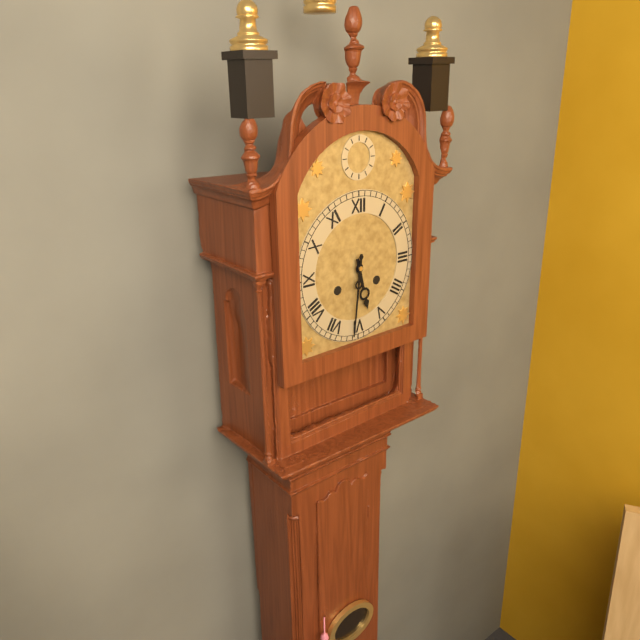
5:31
